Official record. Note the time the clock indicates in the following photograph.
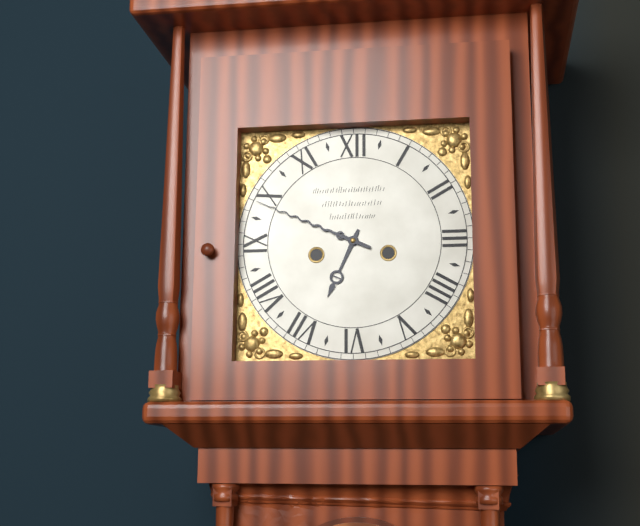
6:49
